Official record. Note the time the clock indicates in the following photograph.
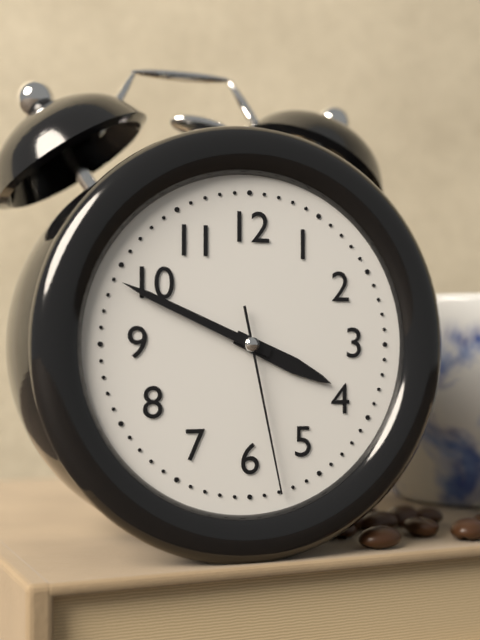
3:49:28
